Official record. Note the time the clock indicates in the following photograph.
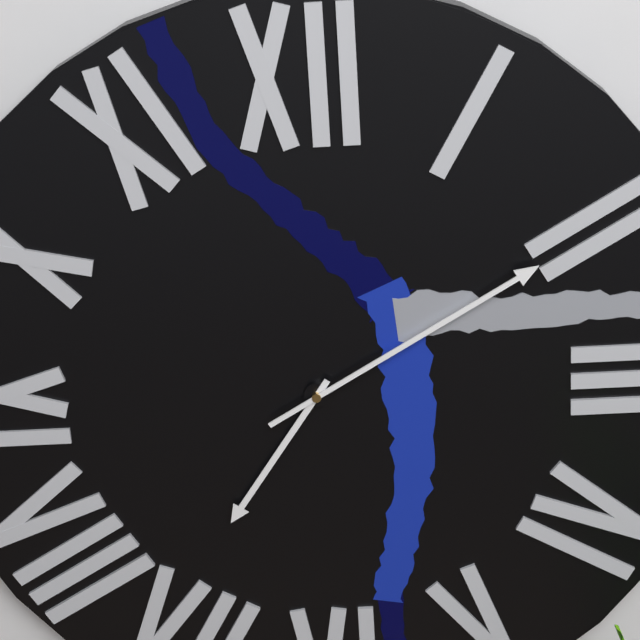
7:10
